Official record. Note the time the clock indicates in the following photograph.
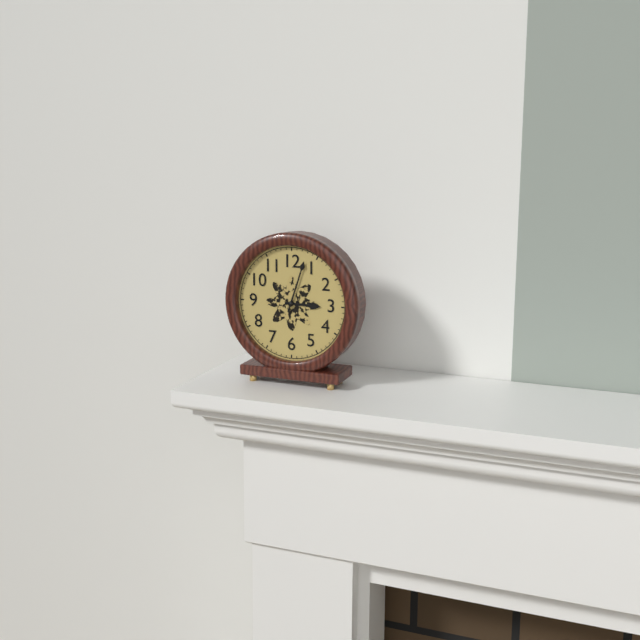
3:03
